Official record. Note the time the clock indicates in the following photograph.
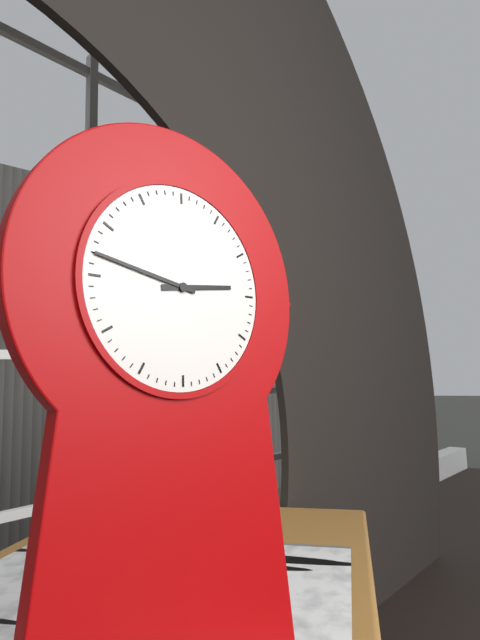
2:47
